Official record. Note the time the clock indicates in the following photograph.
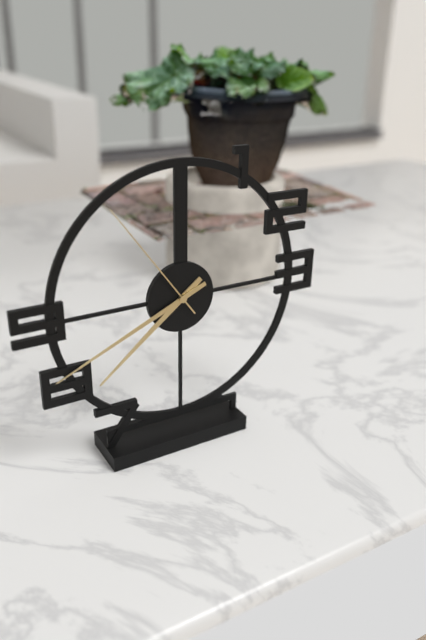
7:41:54
